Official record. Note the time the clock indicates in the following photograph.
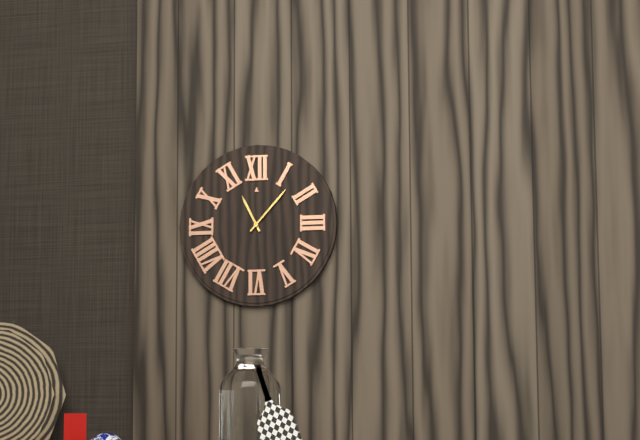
11:07
